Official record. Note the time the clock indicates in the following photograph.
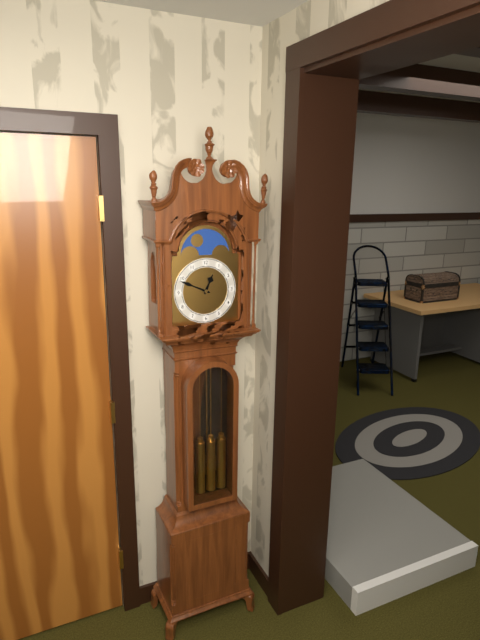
12:49
